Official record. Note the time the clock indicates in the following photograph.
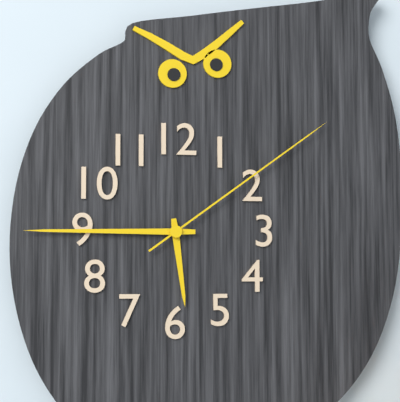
5:45:09
